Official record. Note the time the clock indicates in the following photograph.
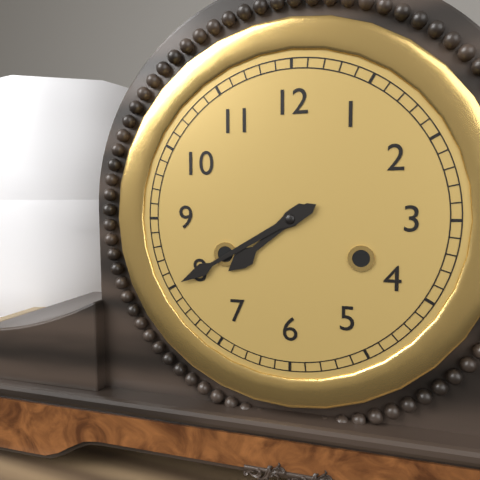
7:40
